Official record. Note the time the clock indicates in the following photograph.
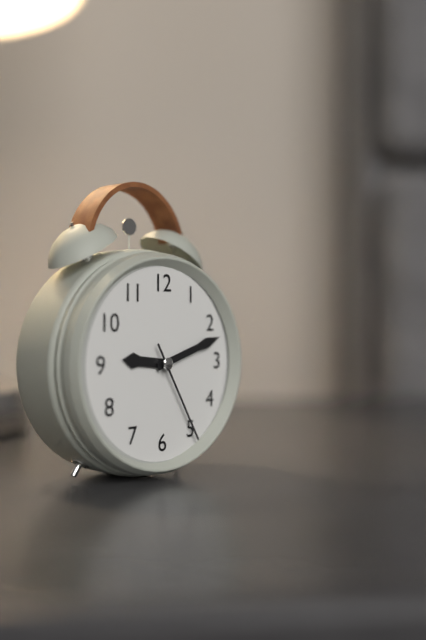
9:12:25
